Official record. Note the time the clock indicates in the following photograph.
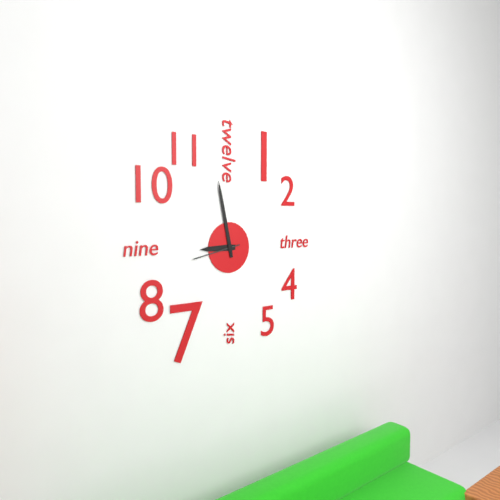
8:58
